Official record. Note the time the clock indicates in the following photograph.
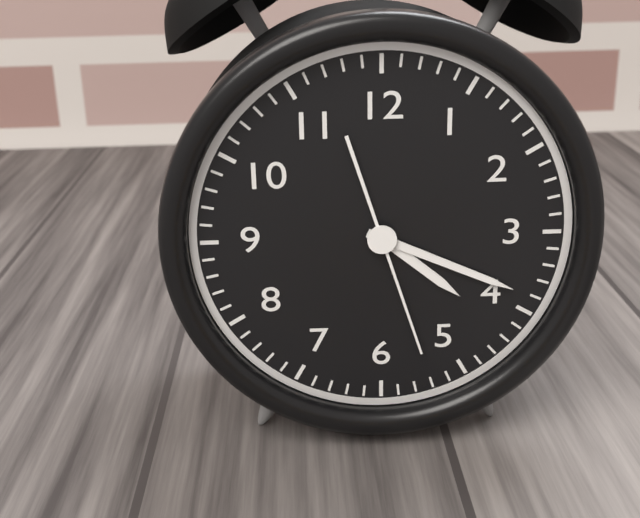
4:19:27
